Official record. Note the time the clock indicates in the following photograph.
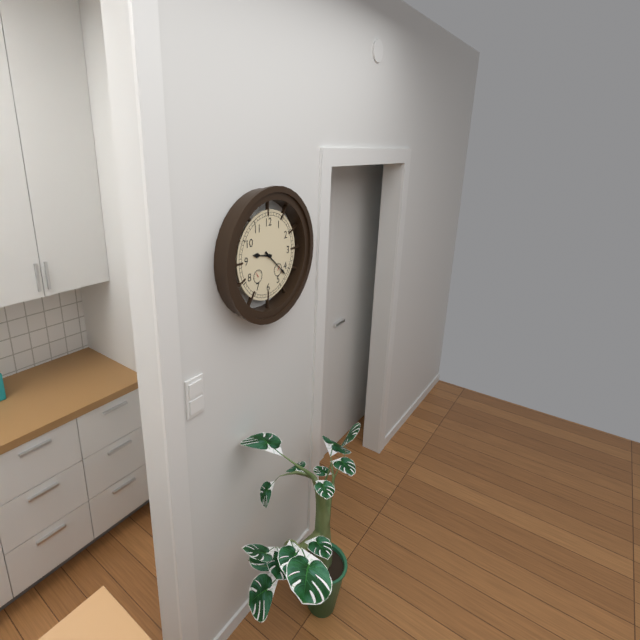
9:22
